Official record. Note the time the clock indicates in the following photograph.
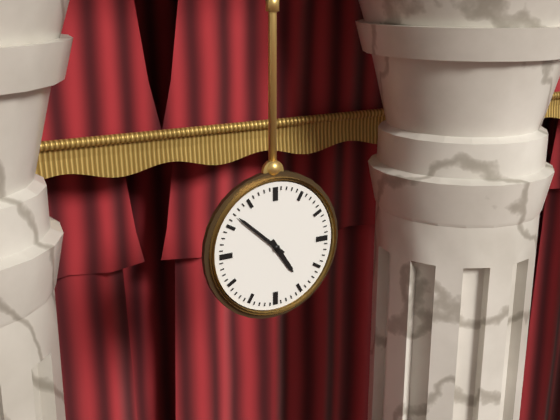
4:52
